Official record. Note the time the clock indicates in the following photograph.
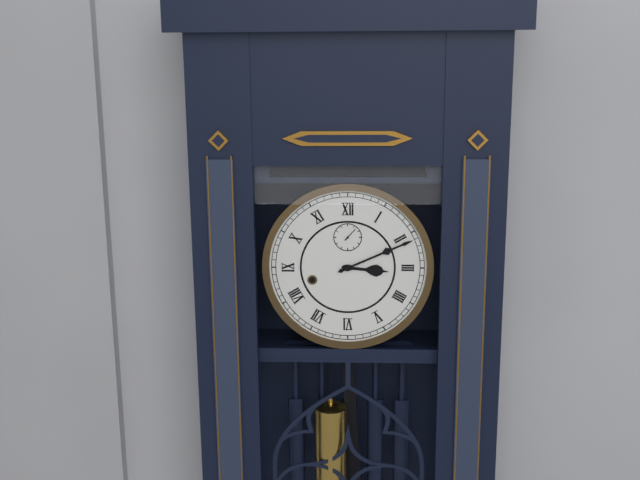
3:11
